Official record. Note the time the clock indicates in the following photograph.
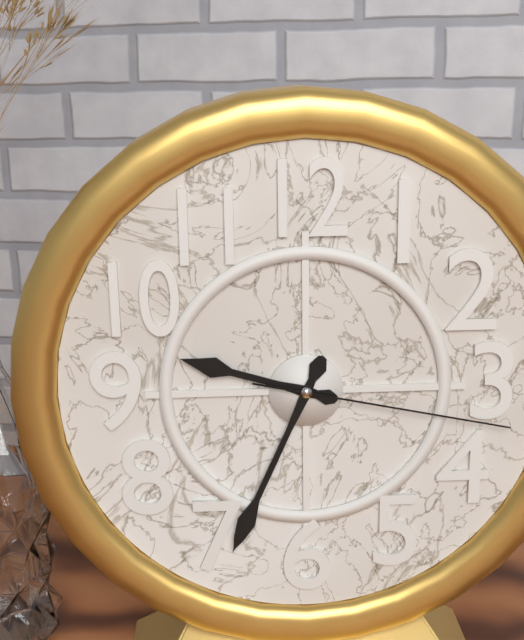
9:34:17
